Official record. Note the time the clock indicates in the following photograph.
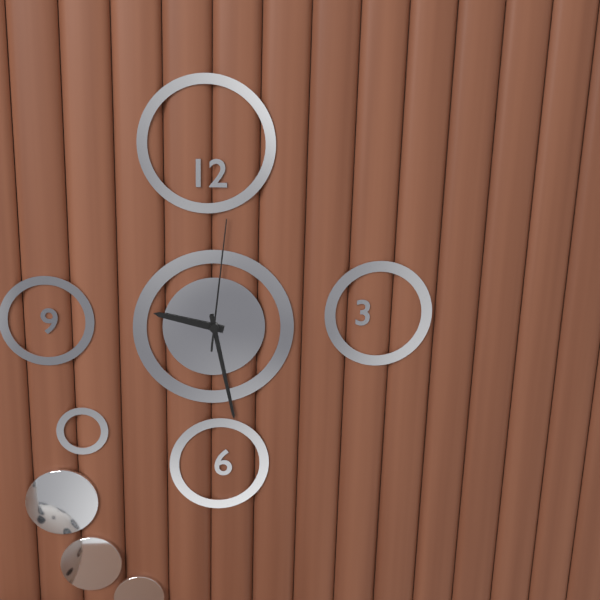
9:28:01
